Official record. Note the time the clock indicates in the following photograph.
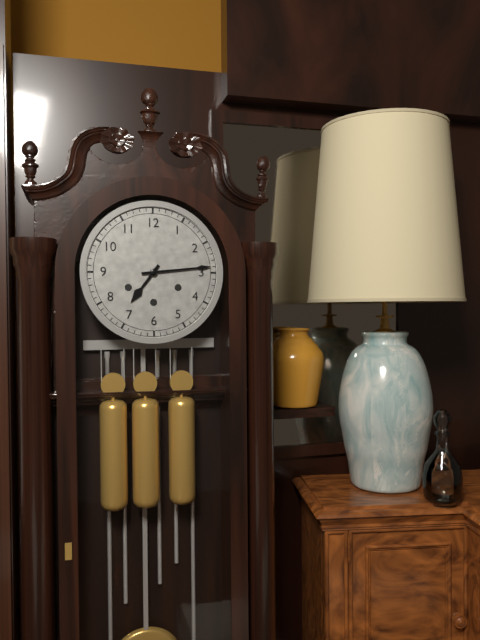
7:14
